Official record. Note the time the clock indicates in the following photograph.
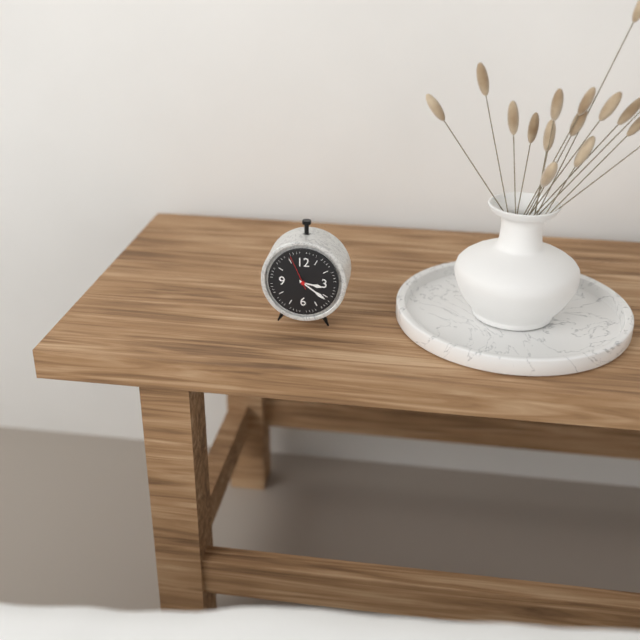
3:21
